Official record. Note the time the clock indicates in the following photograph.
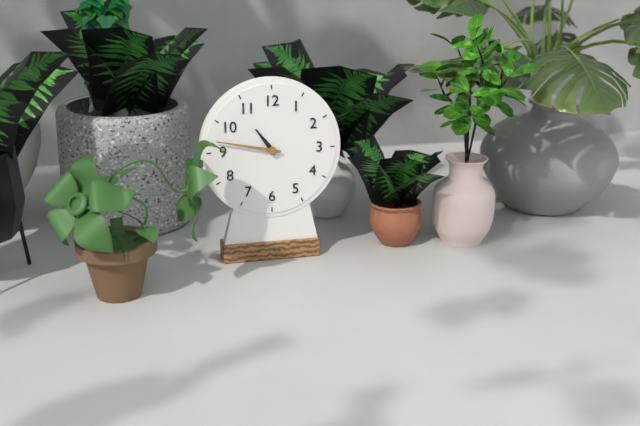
10:47
